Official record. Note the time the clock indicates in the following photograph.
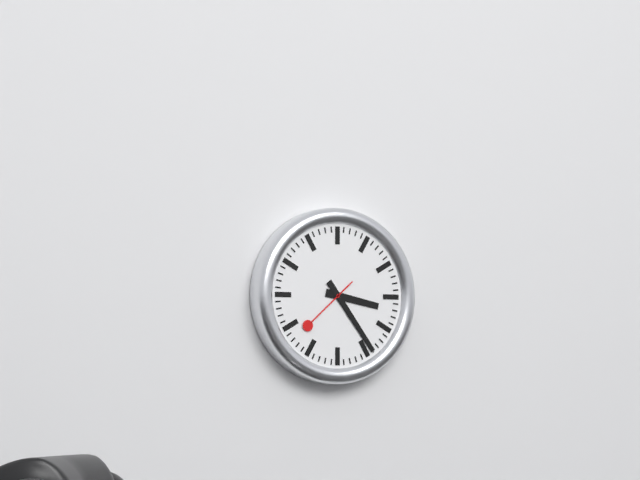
3:24:38
